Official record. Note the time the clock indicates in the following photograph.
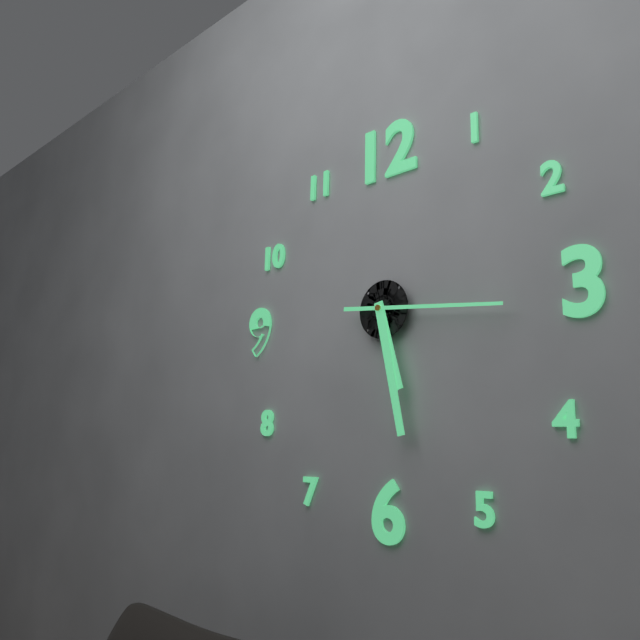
5:28:16
